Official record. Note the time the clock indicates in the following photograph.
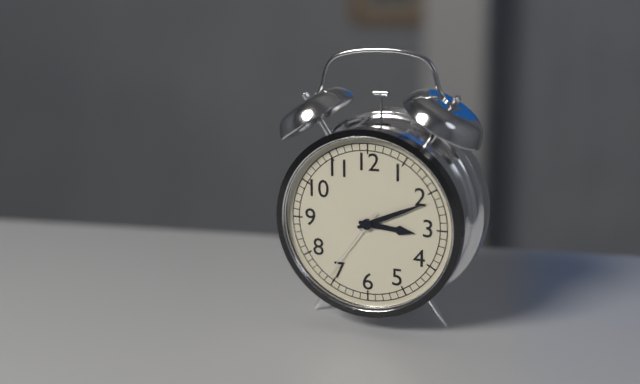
3:11:36
